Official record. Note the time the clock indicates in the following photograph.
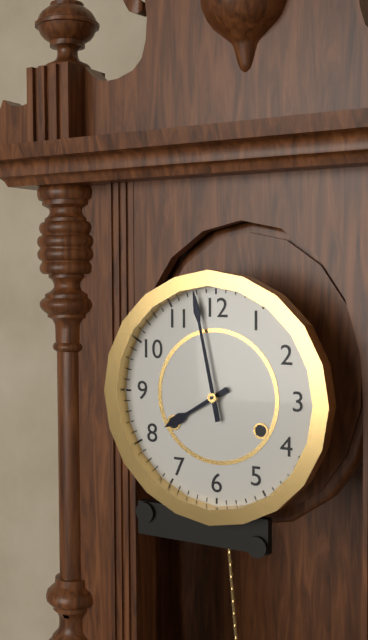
7:58
